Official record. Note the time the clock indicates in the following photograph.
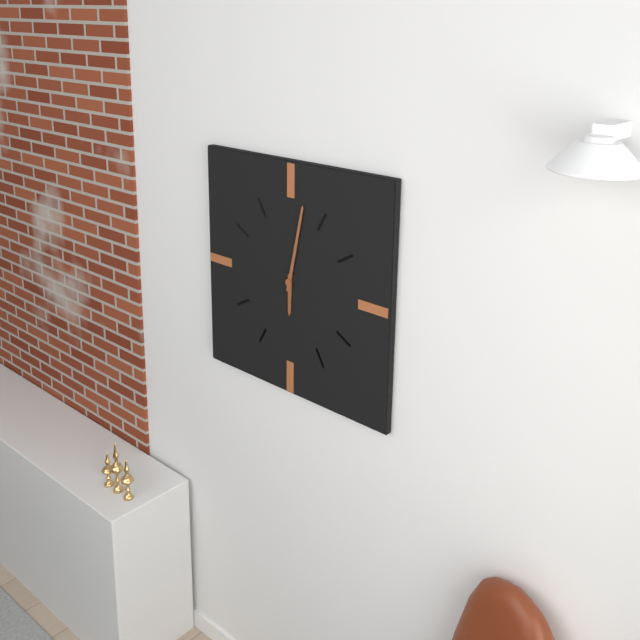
6:02
